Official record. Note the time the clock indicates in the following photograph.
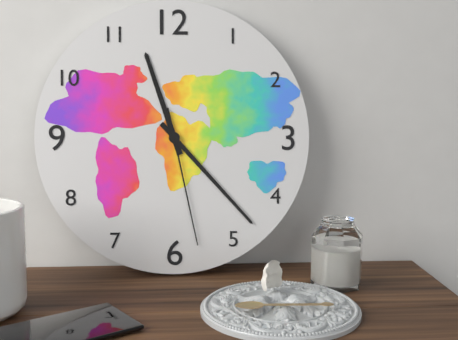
11:23:28
